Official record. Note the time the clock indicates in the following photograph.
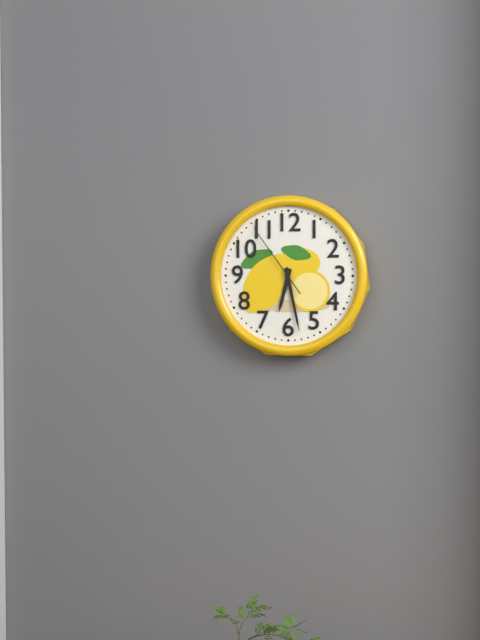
6:28:54
